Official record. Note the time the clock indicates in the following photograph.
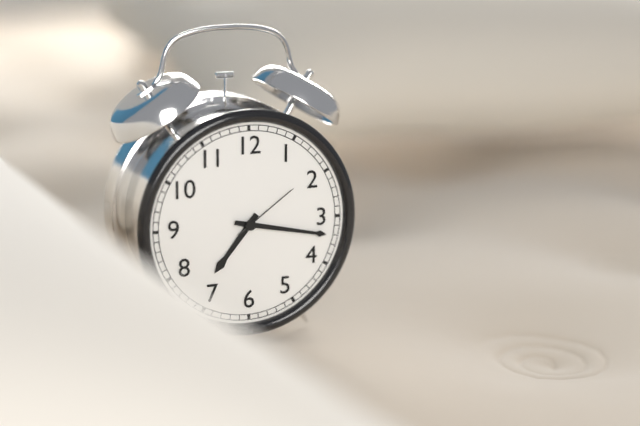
7:17:09
